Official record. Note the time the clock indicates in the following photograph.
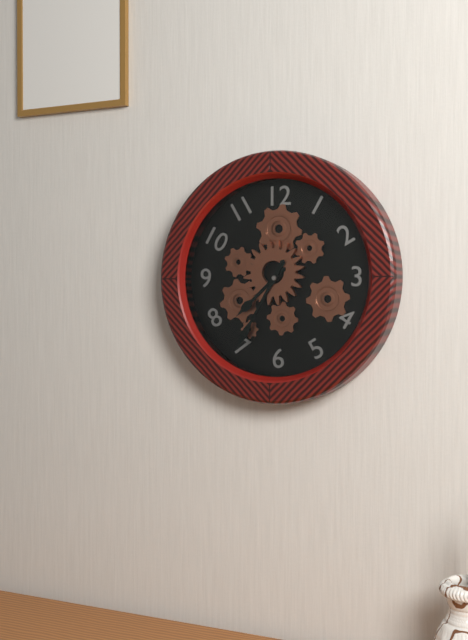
7:35
